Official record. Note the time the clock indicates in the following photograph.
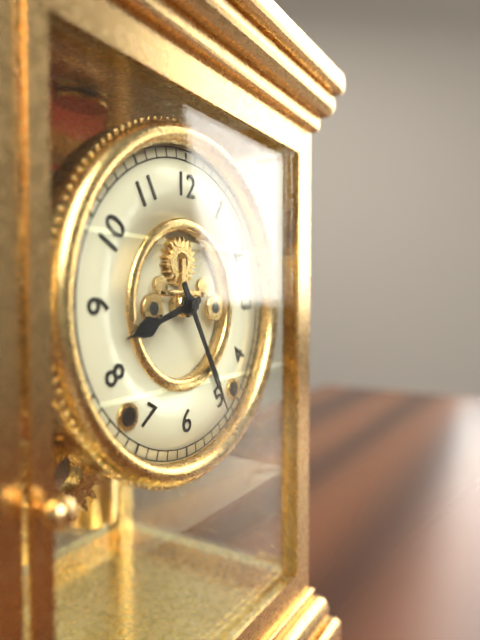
8:25
